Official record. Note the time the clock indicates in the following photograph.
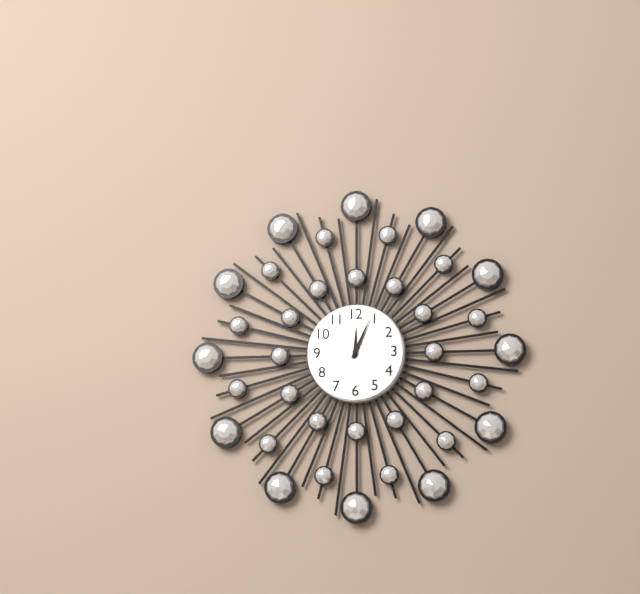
12:04
